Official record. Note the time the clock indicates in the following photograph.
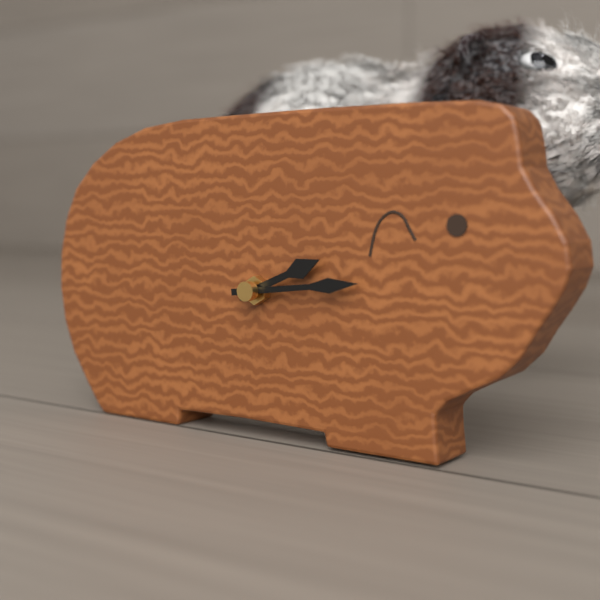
2:14
